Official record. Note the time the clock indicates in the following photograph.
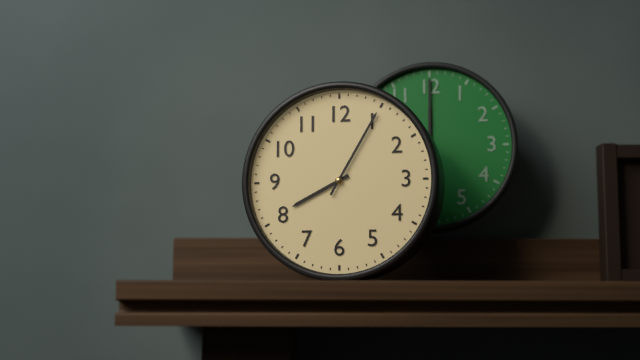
8:05
